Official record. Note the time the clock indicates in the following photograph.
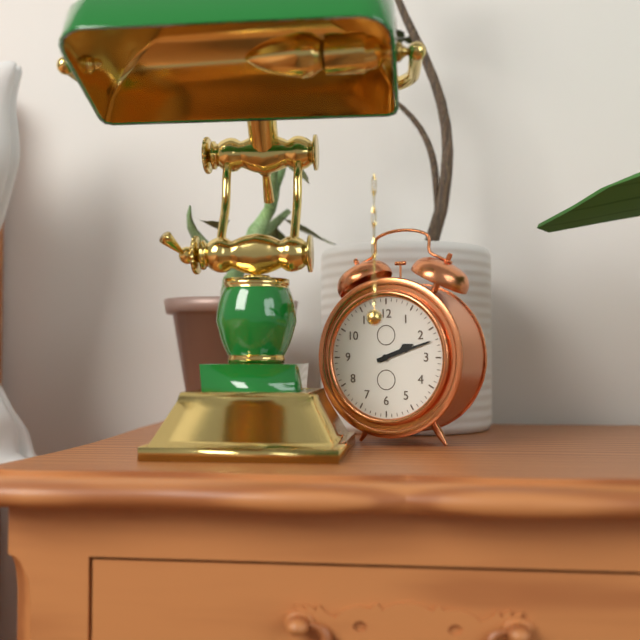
2:12
